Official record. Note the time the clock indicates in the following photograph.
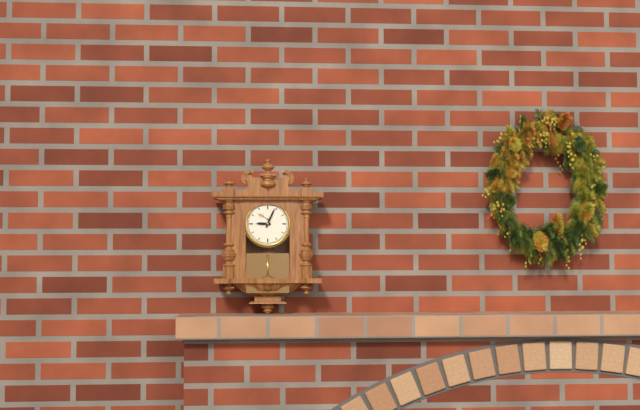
9:04
